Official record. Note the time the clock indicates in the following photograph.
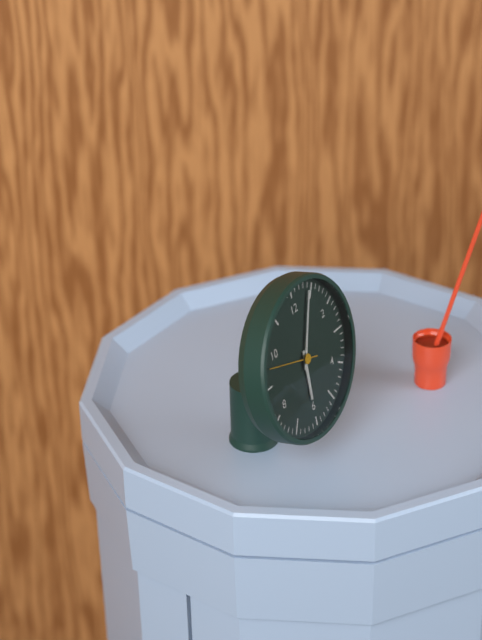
6:04
